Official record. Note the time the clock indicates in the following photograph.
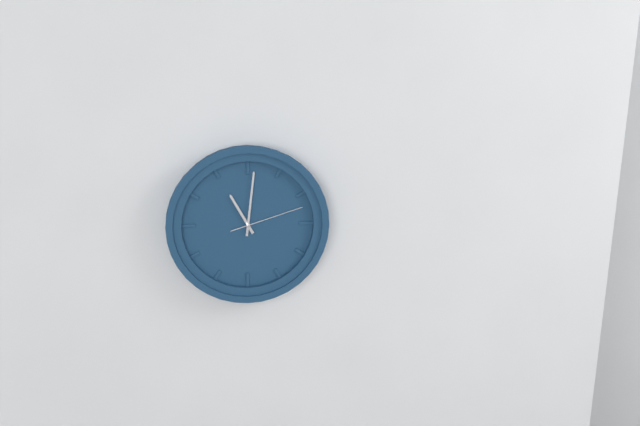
11:01:12
